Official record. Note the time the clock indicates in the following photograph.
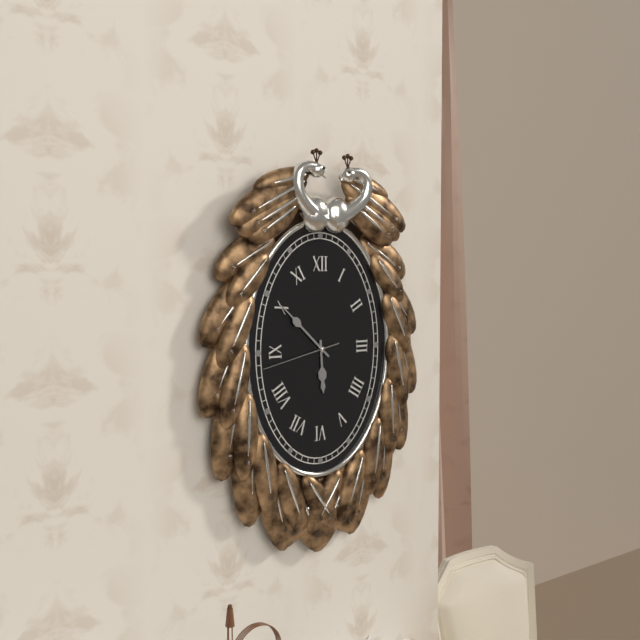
5:52:43
